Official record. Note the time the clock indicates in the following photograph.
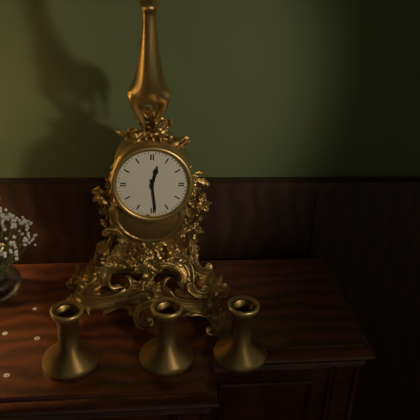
12:29
